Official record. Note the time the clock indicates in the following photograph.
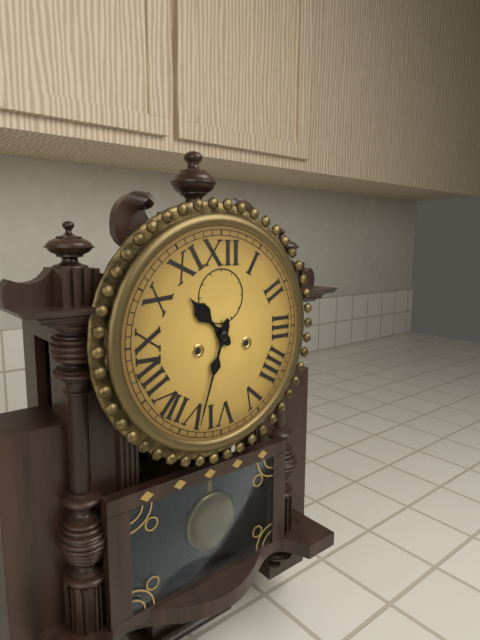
10:33
